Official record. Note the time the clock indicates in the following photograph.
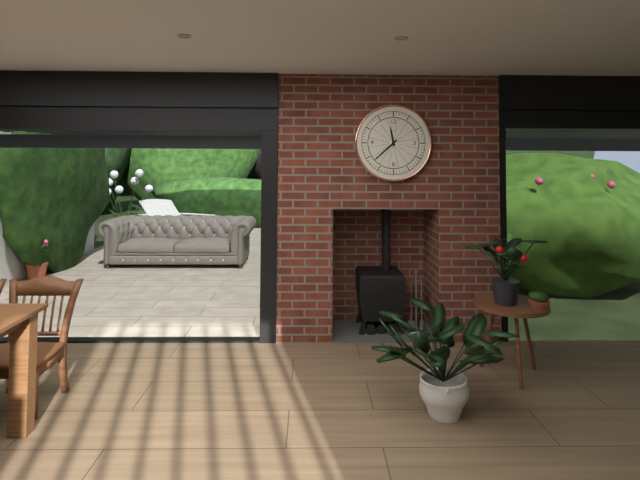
11:38
